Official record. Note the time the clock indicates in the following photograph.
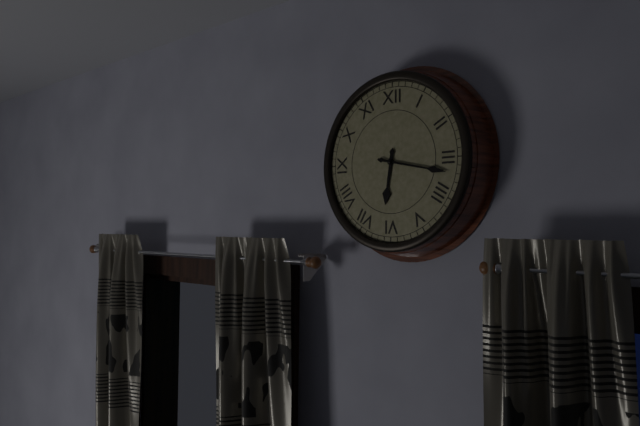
6:17
